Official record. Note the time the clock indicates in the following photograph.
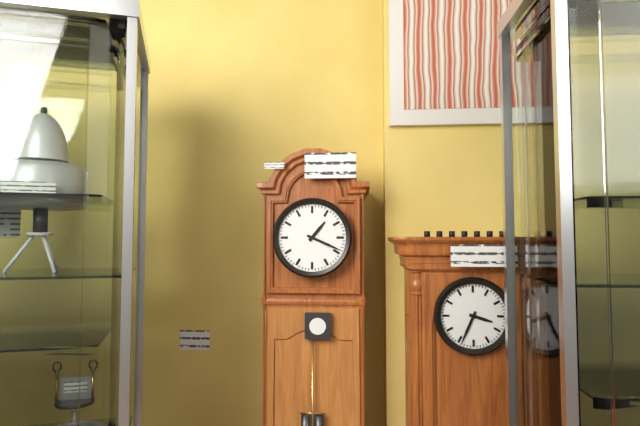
1:19
